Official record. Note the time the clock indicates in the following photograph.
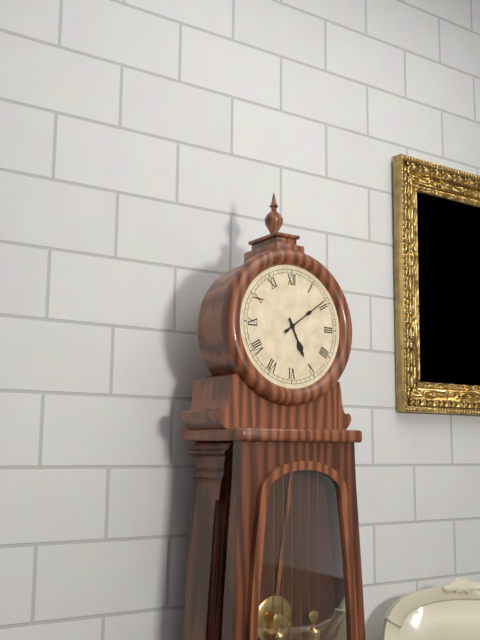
5:09
